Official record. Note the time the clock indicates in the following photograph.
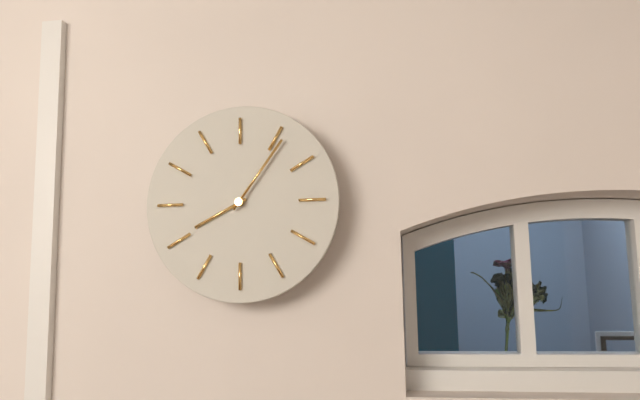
8:06
